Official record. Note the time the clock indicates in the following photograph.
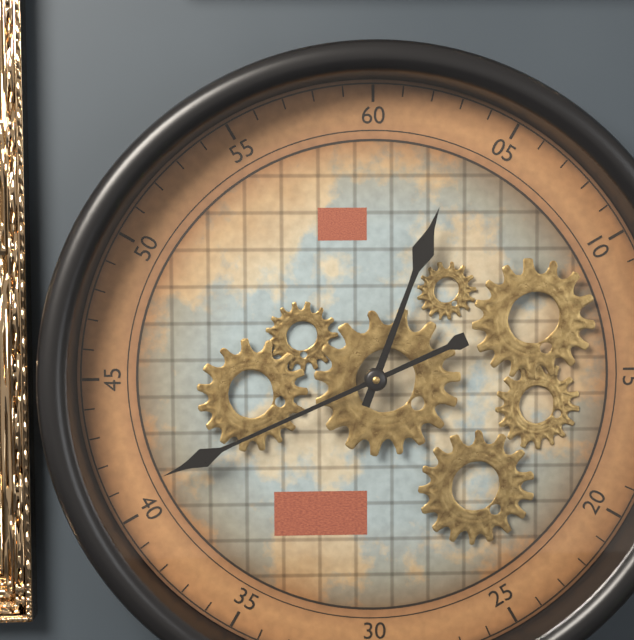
12:41
